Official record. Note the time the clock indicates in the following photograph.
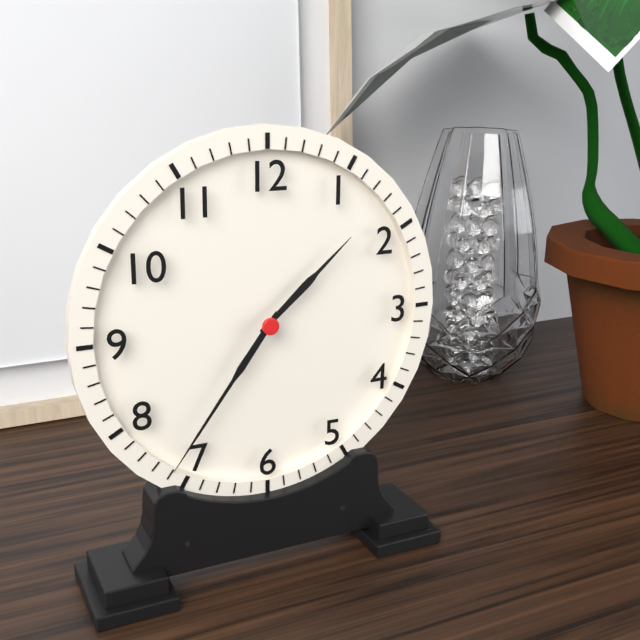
1:36
